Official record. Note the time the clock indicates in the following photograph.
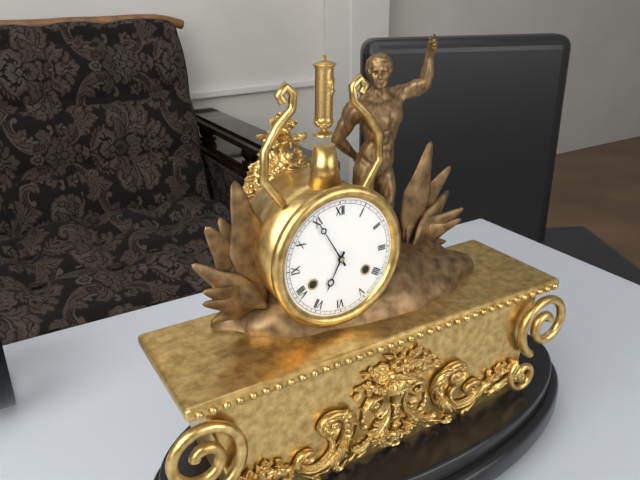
6:55
